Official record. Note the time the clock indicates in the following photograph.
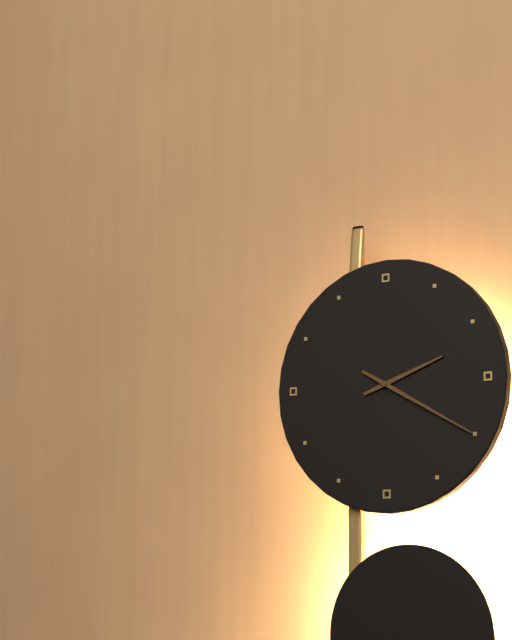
2:20
